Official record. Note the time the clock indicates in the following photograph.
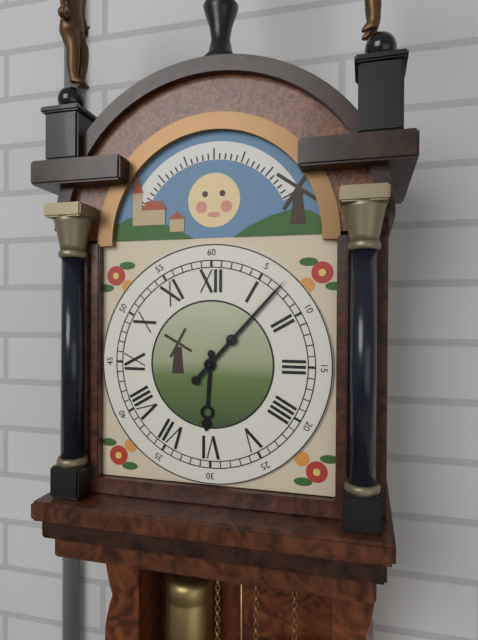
6:07
